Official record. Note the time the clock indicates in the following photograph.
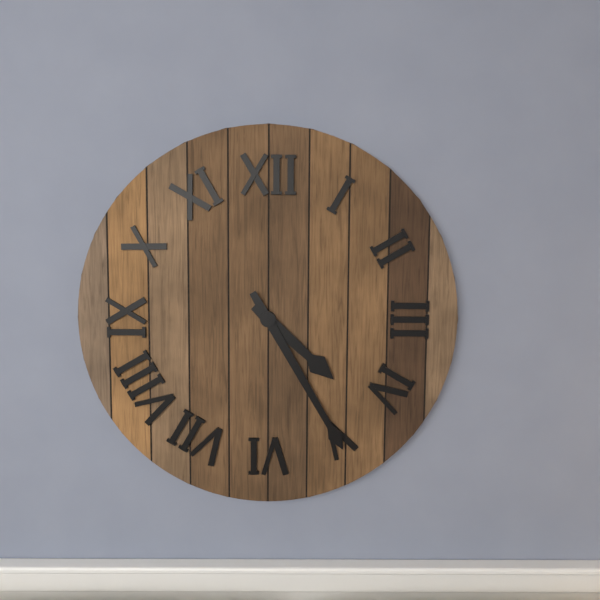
4:25
